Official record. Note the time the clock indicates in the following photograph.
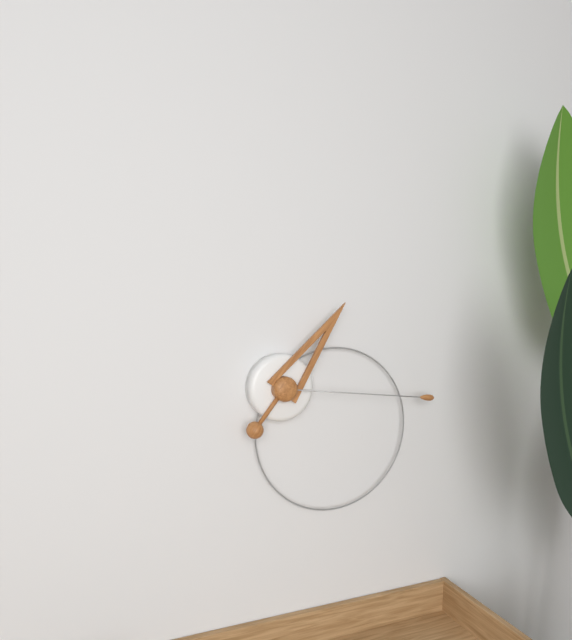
1:16
